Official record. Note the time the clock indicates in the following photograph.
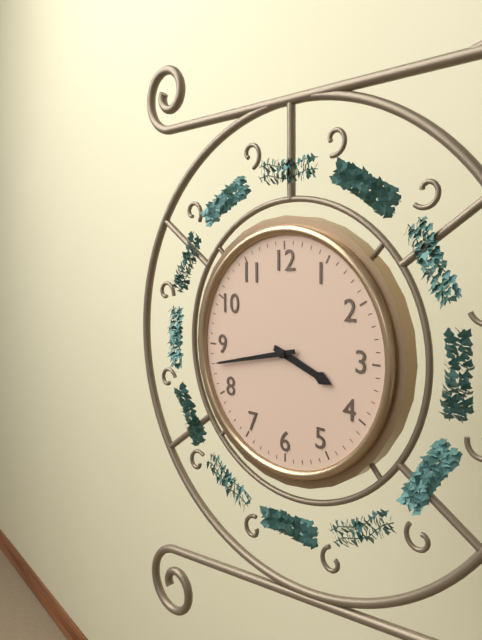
3:43
